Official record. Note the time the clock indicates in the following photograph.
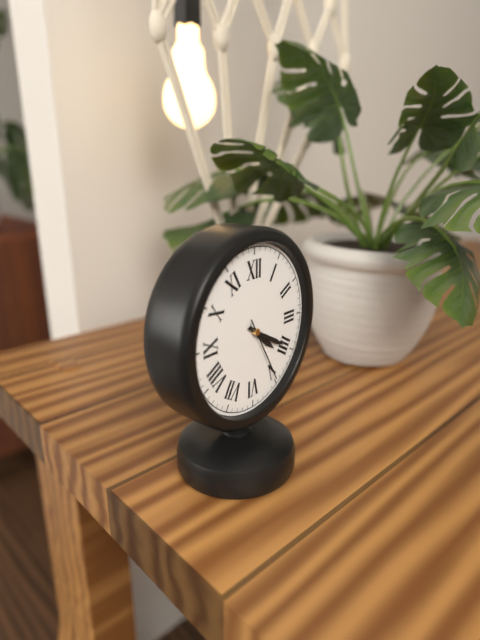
4:20:25
